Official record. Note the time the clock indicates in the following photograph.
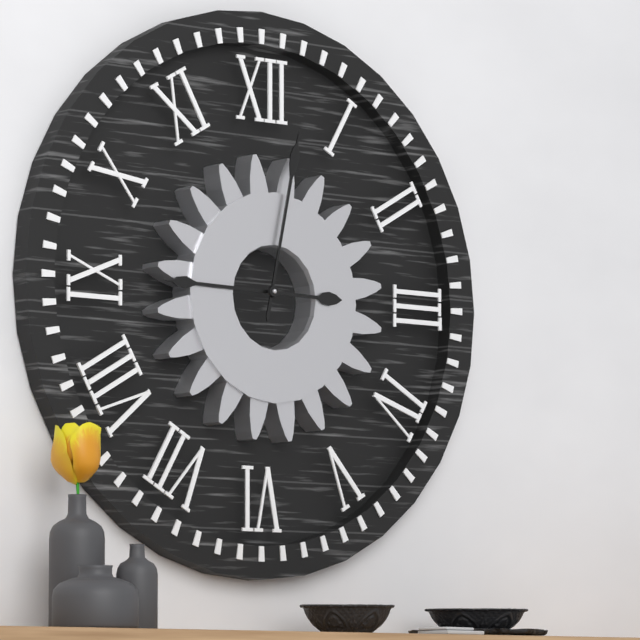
9:02
